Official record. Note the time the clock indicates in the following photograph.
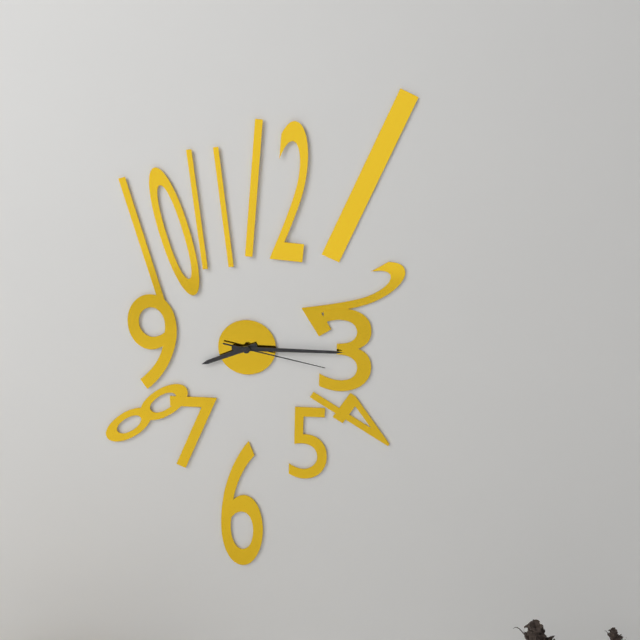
8:15:17
